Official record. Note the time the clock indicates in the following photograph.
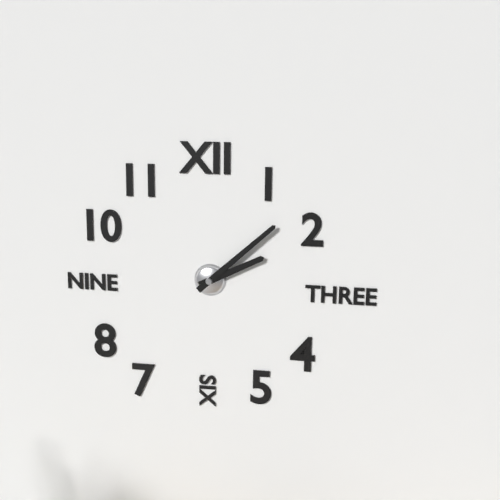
2:08
